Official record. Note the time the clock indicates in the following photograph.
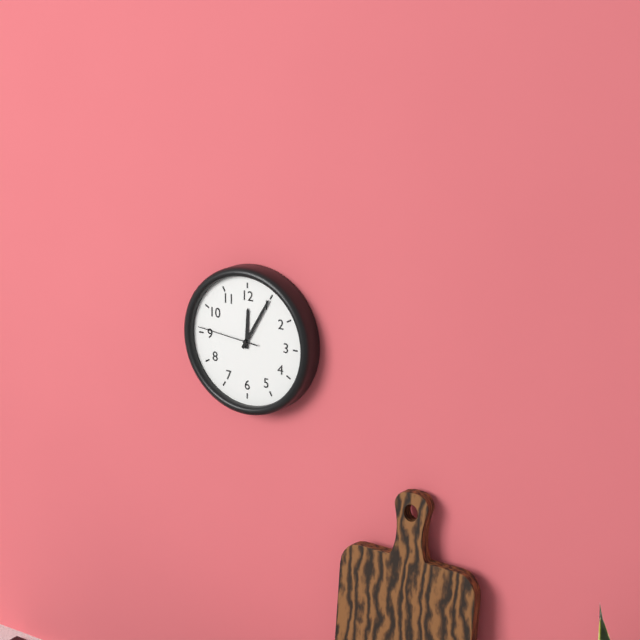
12:05:46
